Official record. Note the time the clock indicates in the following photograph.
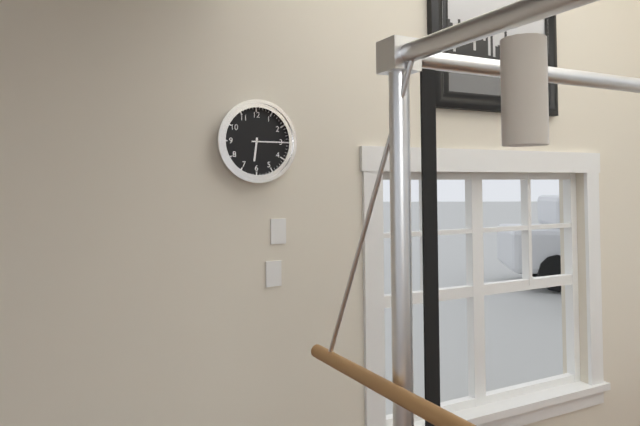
6:15
